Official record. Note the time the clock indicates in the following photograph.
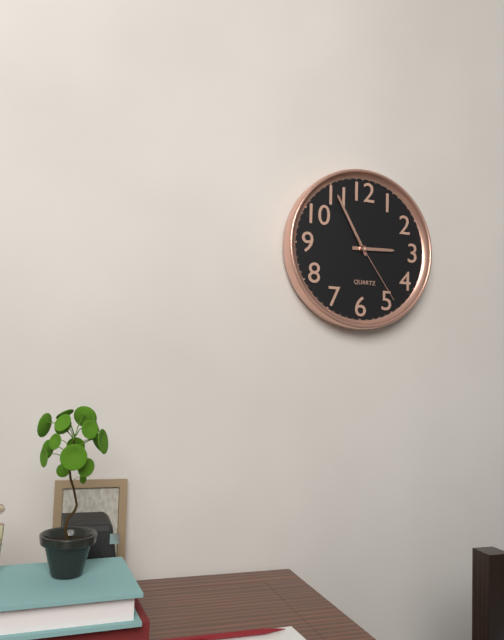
2:55:24
